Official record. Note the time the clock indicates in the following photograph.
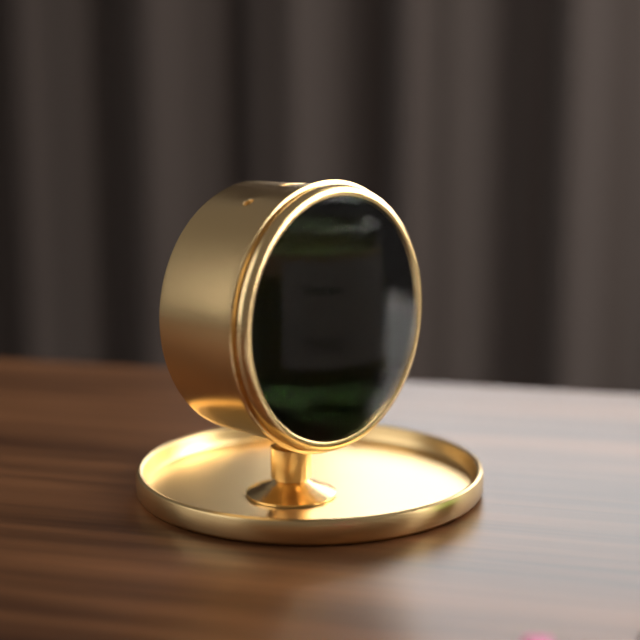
3:20:51
